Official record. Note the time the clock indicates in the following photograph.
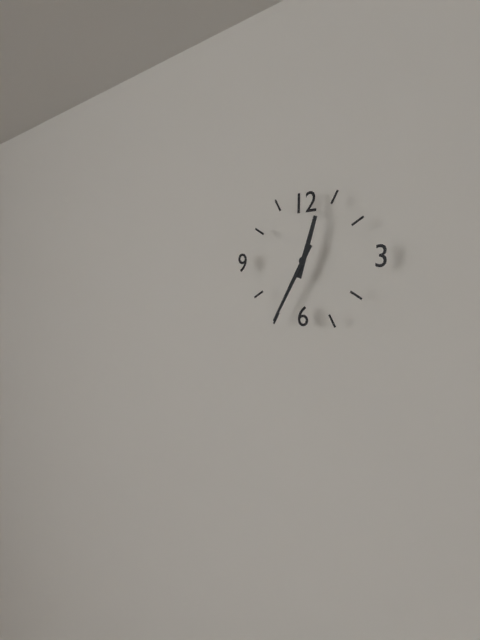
12:35
